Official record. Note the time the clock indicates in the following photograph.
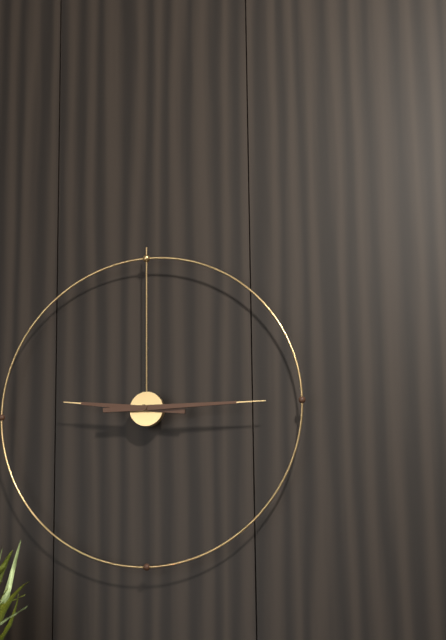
9:15
